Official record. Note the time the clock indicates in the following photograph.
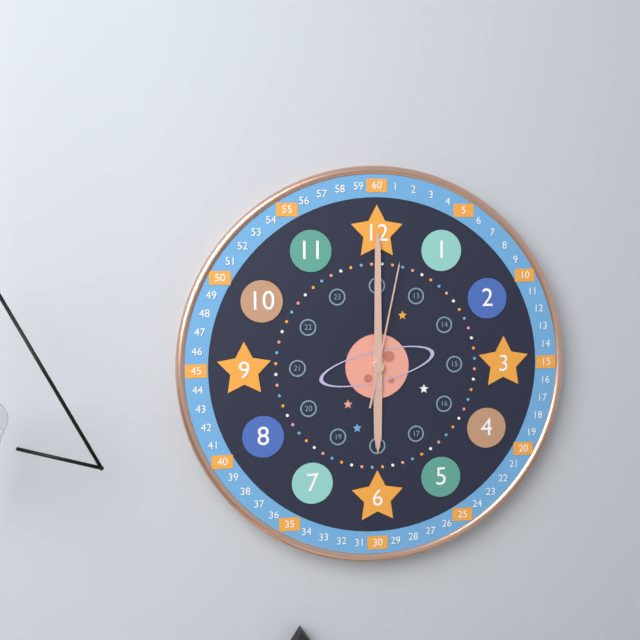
6:00:02
